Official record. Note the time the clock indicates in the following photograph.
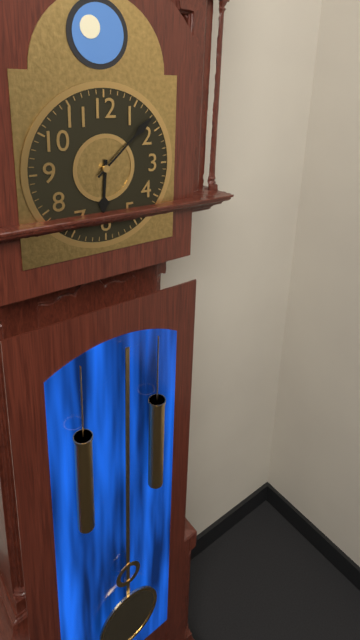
6:08
